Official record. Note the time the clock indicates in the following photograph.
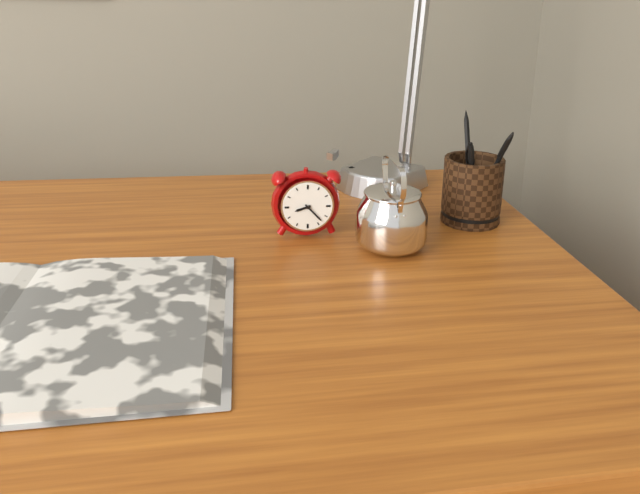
8:23
